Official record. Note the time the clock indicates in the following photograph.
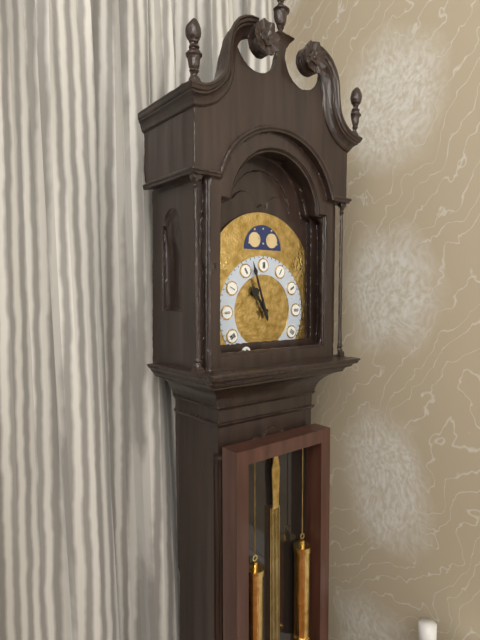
10:57
